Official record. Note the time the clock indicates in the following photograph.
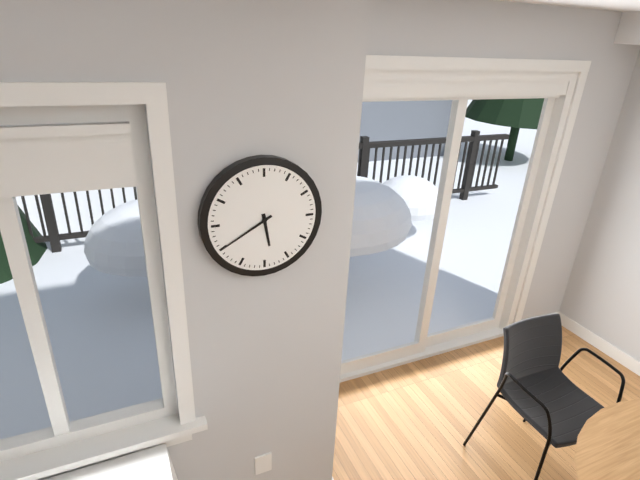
5:40
